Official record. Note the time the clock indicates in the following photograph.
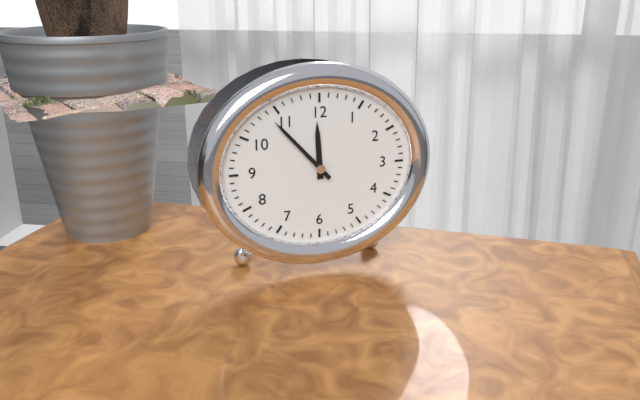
11:53
